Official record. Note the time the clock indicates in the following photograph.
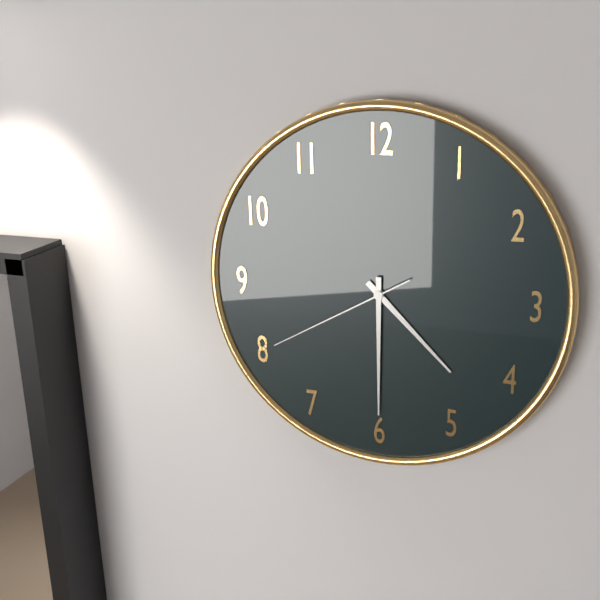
4:30:40
